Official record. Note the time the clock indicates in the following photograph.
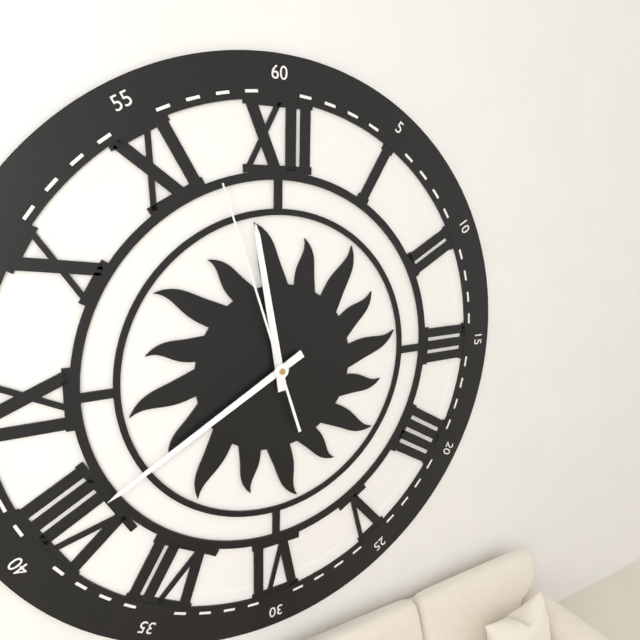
11:40:57
